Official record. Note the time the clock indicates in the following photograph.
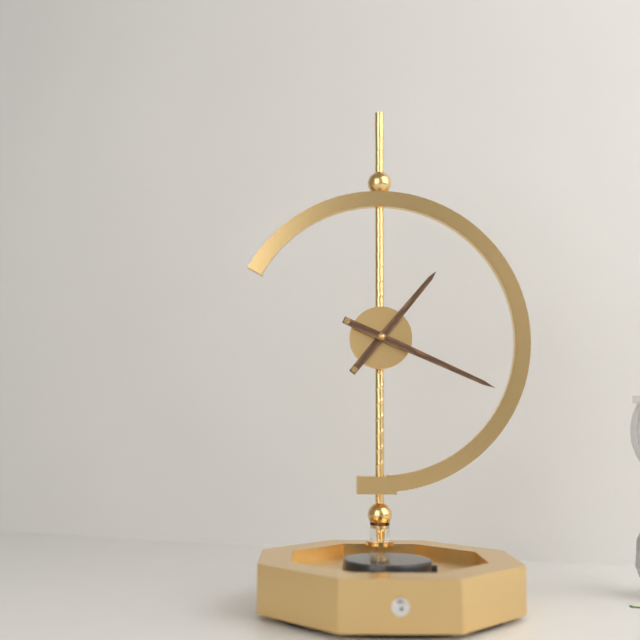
1:19
